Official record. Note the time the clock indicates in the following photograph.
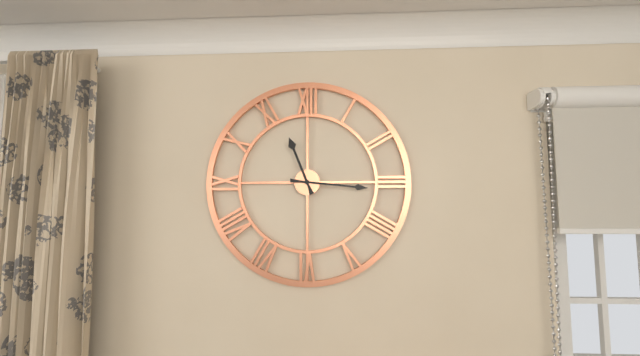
11:16
